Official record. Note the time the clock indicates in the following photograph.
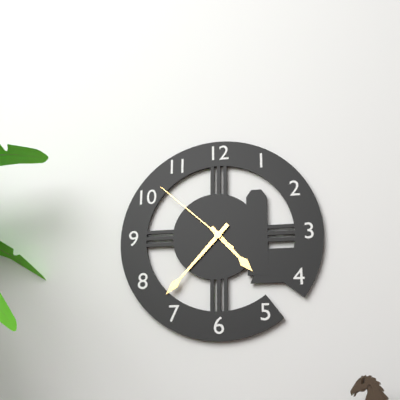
4:37:52
